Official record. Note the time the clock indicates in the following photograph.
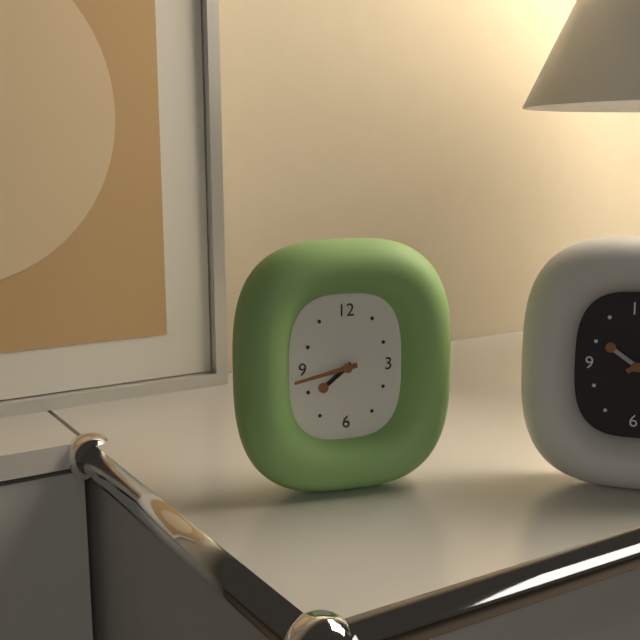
7:43
